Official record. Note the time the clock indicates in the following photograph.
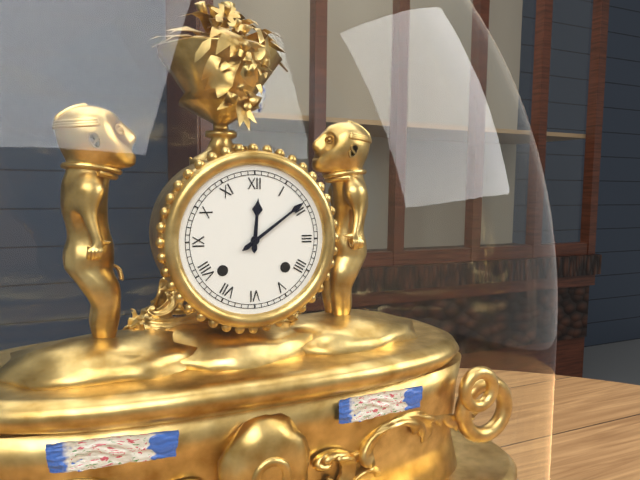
12:09
